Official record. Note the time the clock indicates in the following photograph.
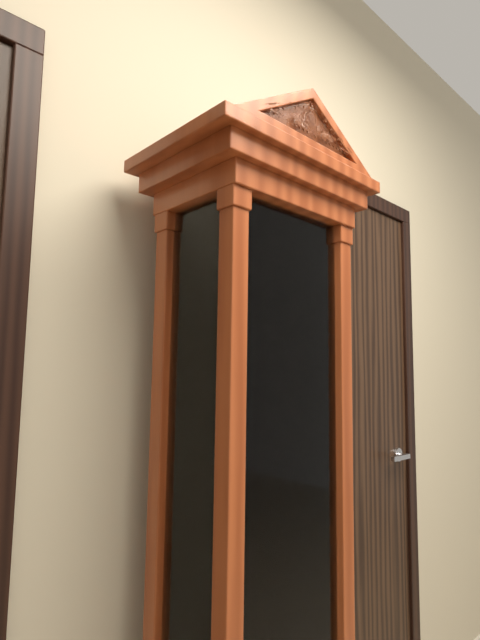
7:16
